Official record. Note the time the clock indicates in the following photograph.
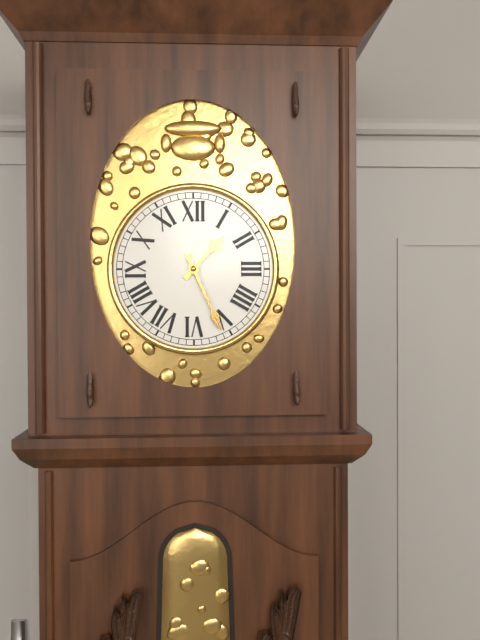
1:26
